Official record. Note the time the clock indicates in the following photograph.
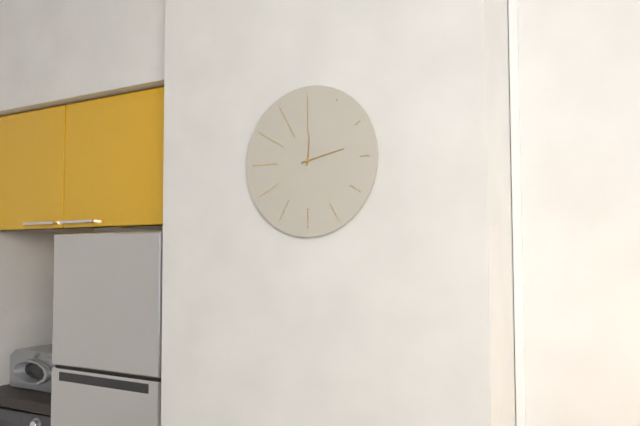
12:13
